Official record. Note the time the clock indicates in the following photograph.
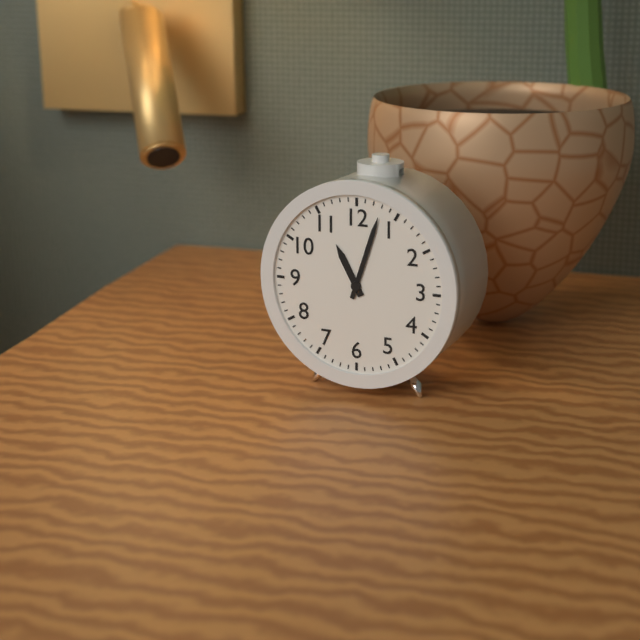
11:03
